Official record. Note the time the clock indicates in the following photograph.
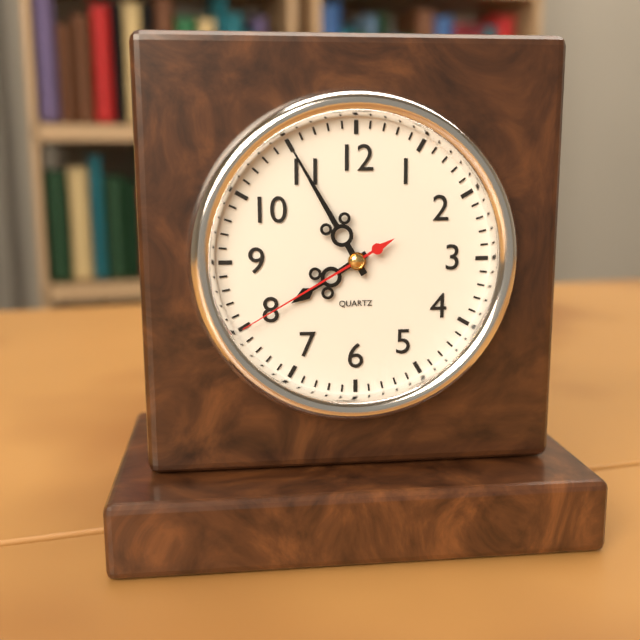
7:55:40
